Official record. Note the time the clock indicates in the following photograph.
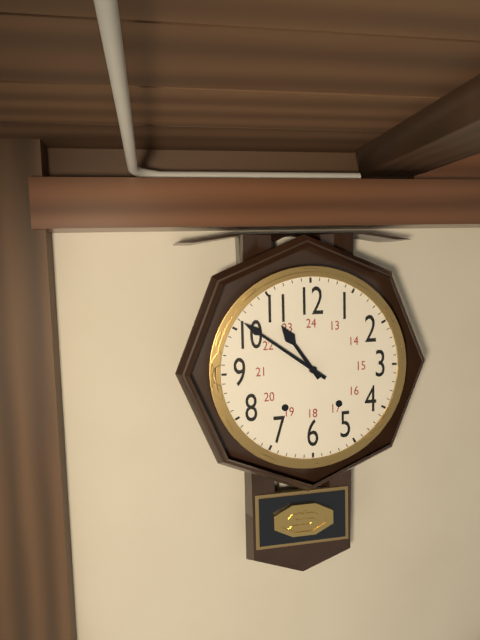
10:51
